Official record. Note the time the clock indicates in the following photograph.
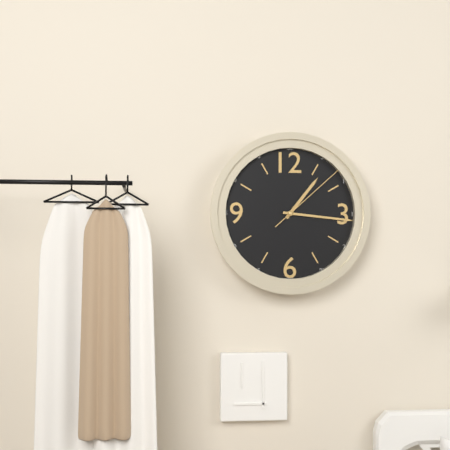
1:16:08
